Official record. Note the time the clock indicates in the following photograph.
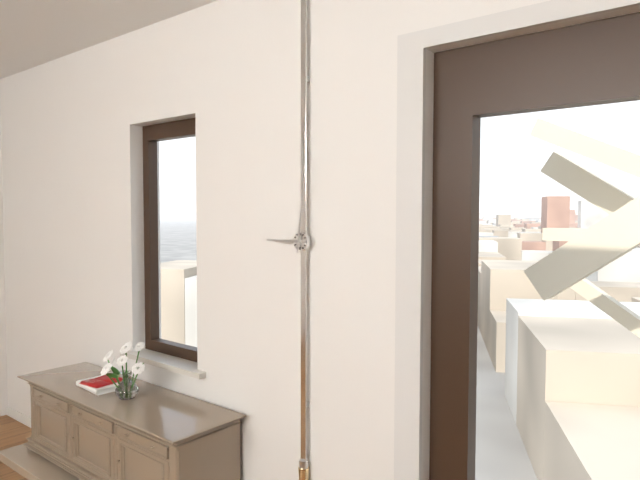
9:01
